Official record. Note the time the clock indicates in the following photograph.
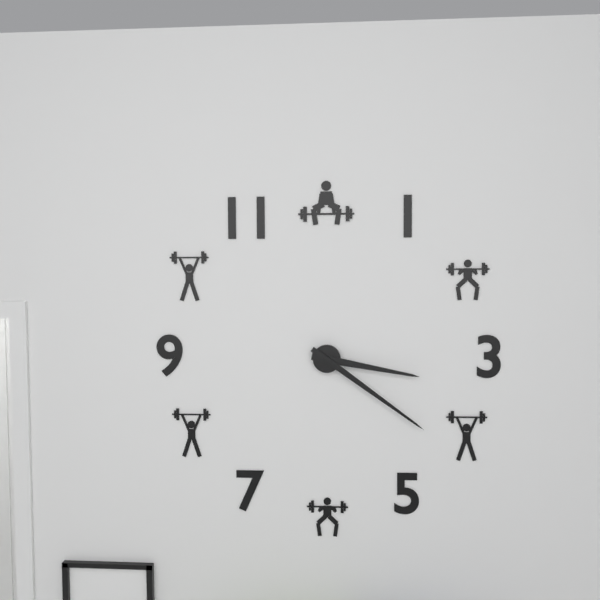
3:21
